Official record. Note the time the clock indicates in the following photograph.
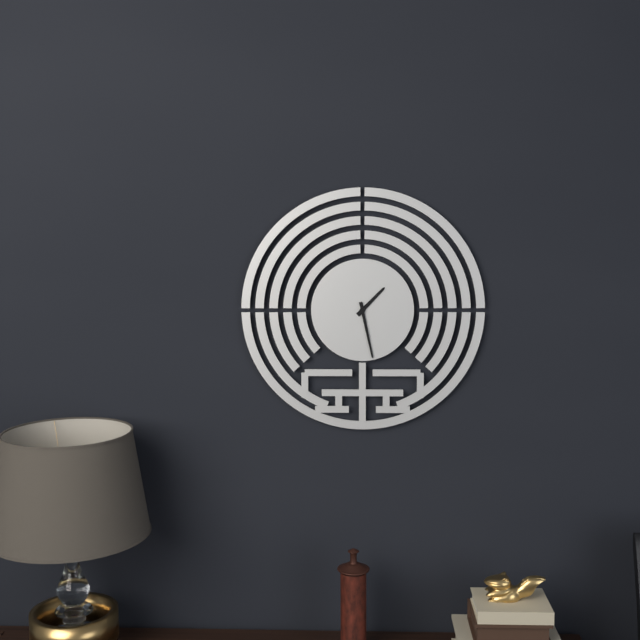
1:28
